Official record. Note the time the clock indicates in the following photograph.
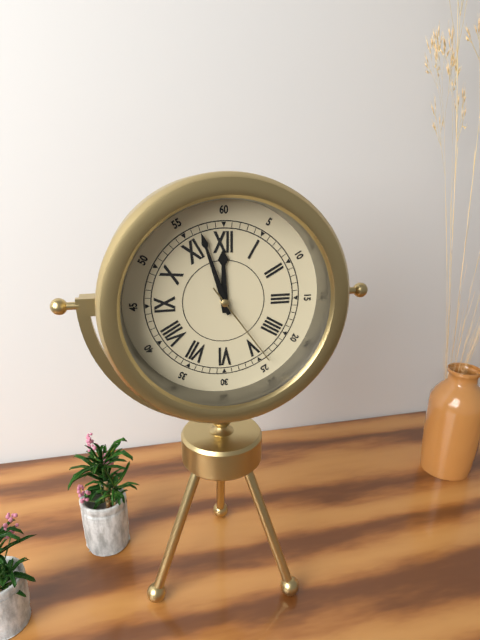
11:57:24
